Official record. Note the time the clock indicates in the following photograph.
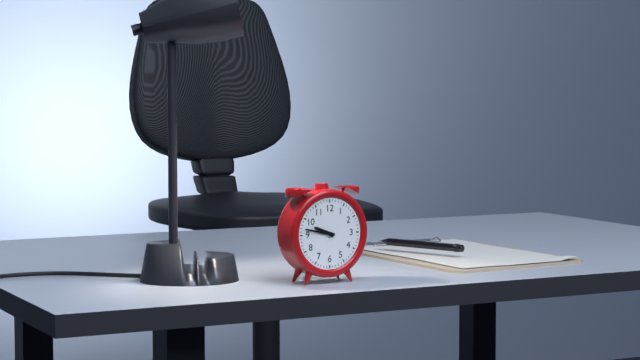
9:47
